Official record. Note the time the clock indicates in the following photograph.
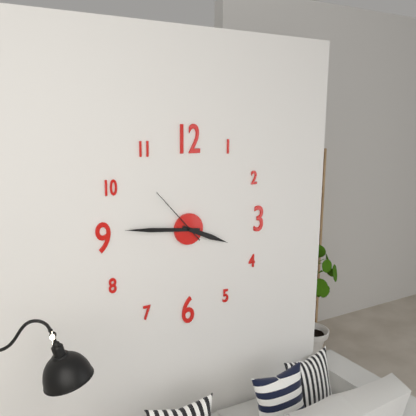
3:46:53
